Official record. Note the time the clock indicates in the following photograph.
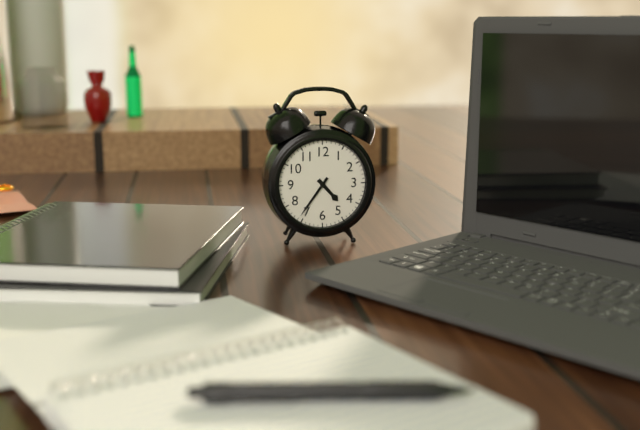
4:36
